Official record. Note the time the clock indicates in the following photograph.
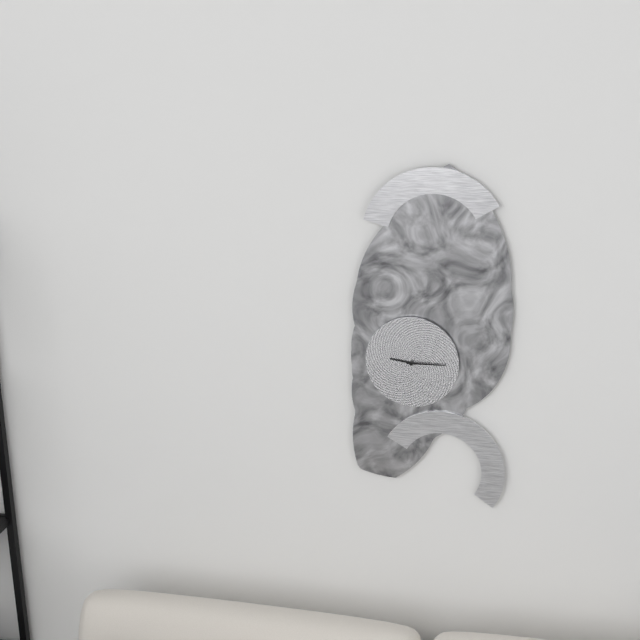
9:15
